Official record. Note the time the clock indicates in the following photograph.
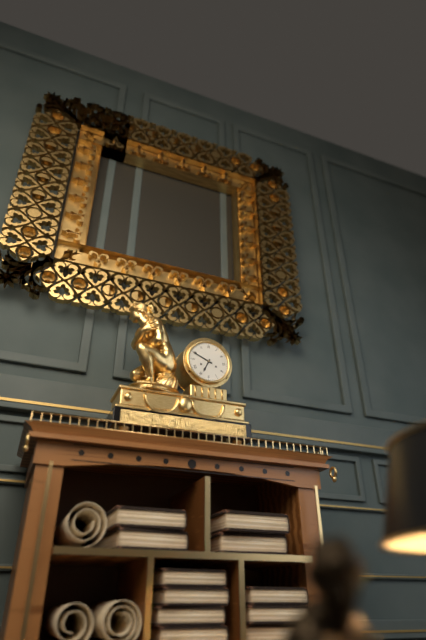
6:49
